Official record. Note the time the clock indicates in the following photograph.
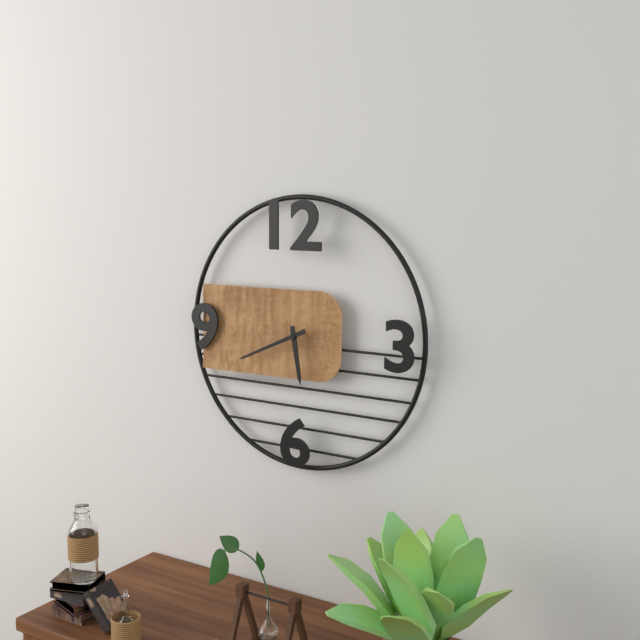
5:41
